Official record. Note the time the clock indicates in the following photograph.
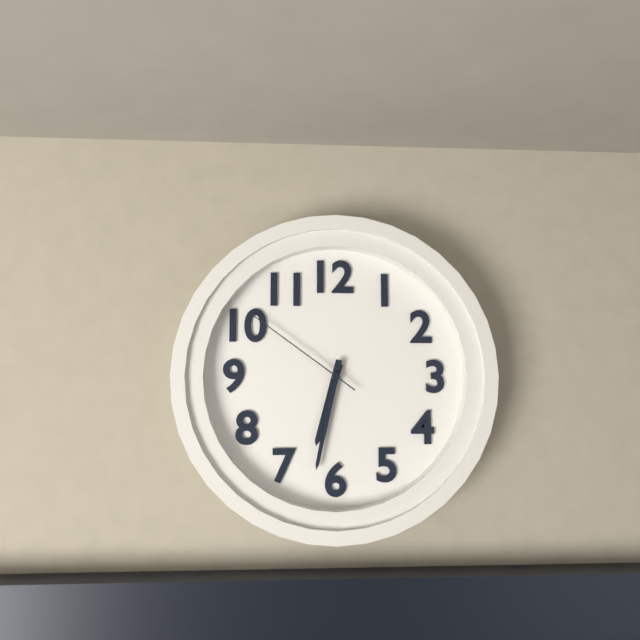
6:32:51
